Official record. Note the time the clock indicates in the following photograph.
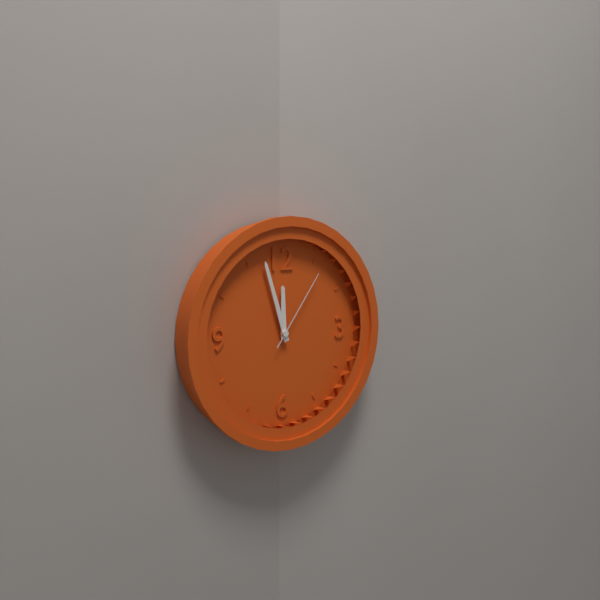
11:57:06
